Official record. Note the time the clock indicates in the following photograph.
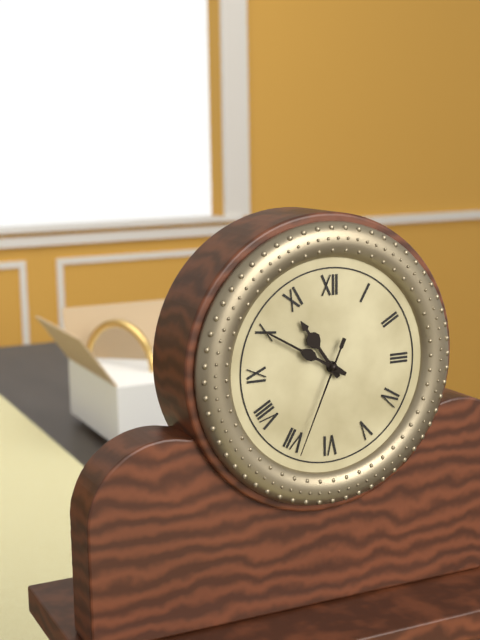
10:50:34
